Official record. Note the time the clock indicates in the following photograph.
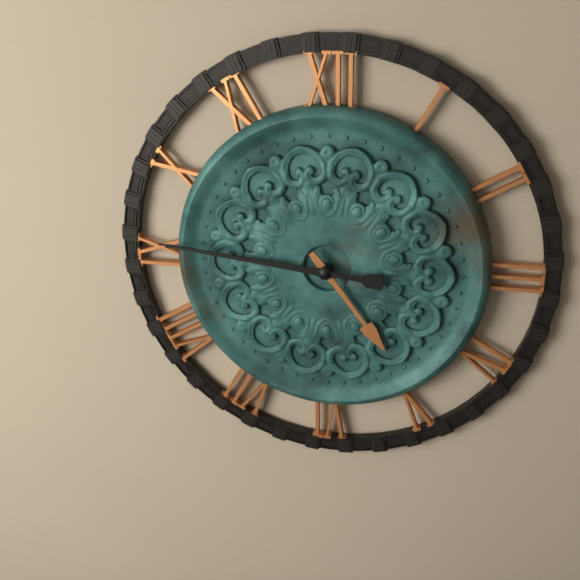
4:46
